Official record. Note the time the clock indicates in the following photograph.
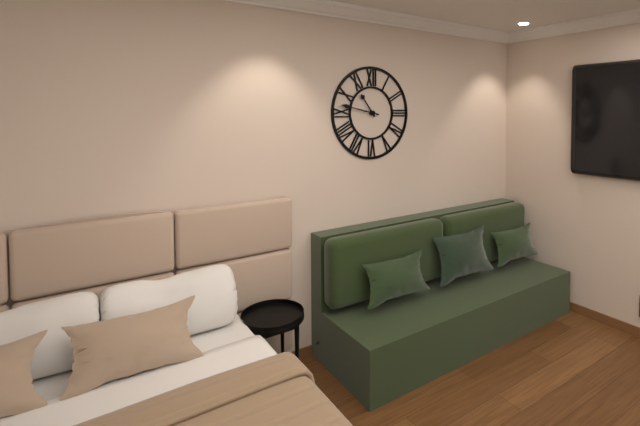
10:47
